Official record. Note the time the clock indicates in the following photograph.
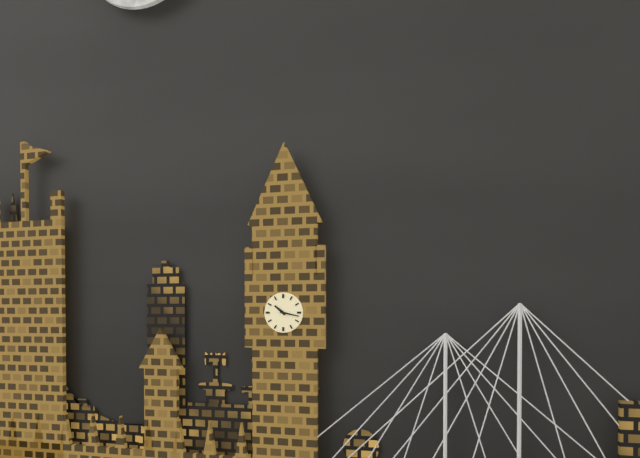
10:17
